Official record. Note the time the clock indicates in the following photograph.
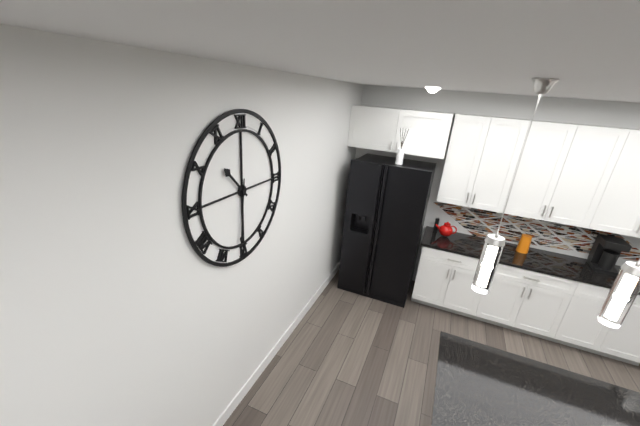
10:31
